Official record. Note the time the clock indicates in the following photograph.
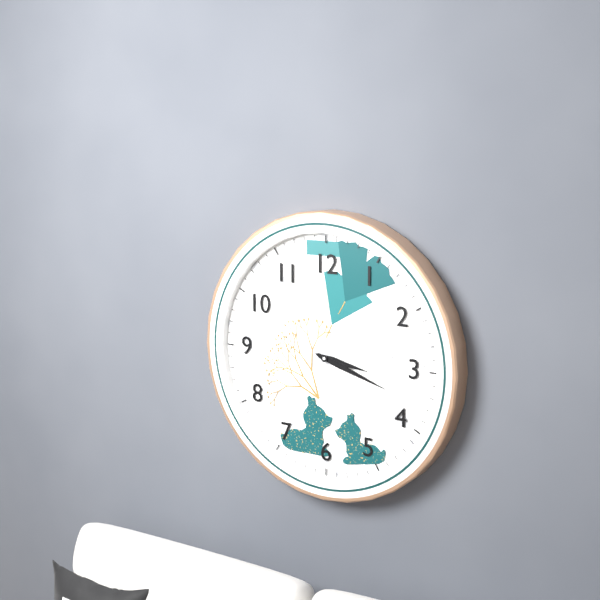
3:18
